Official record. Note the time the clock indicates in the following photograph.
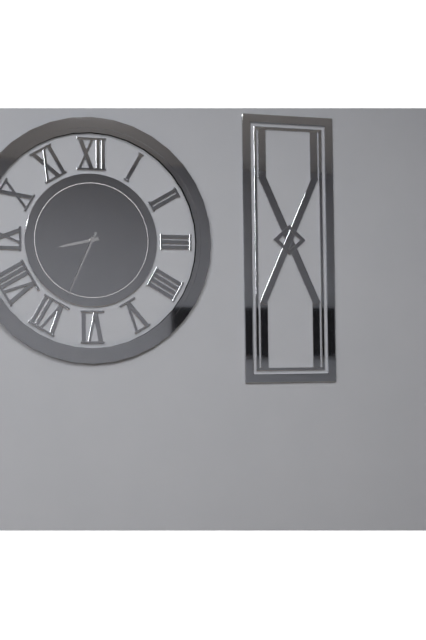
8:34
